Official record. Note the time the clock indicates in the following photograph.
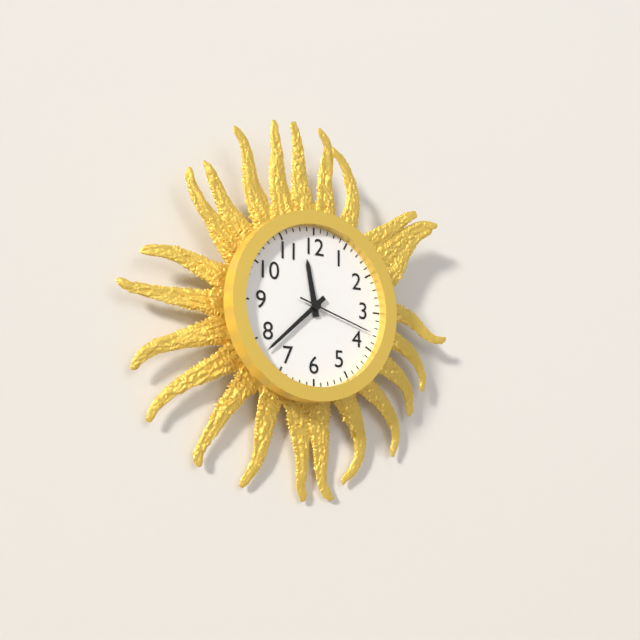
11:38:18
